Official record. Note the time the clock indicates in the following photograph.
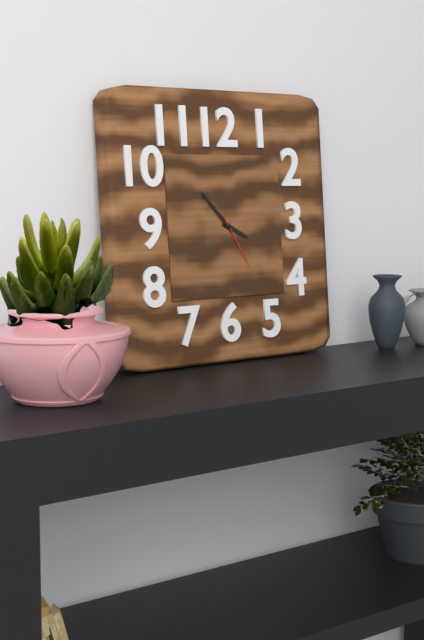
3:53:25
